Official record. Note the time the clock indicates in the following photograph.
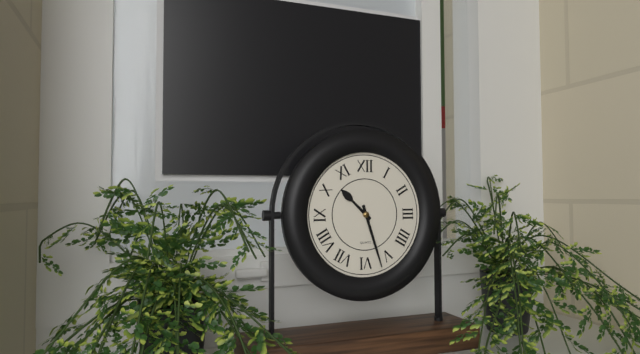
10:27
